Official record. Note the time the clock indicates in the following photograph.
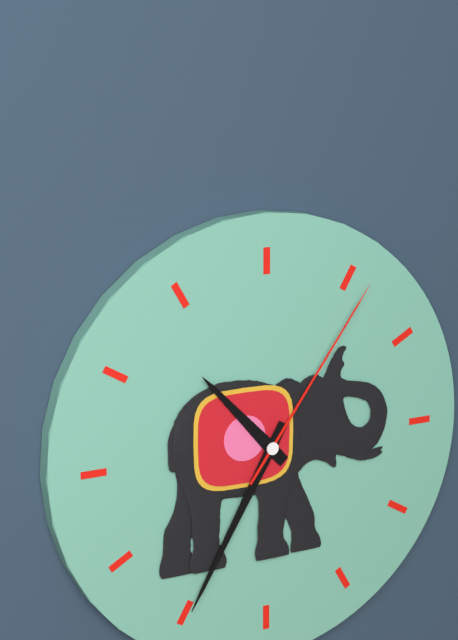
10:35:06
